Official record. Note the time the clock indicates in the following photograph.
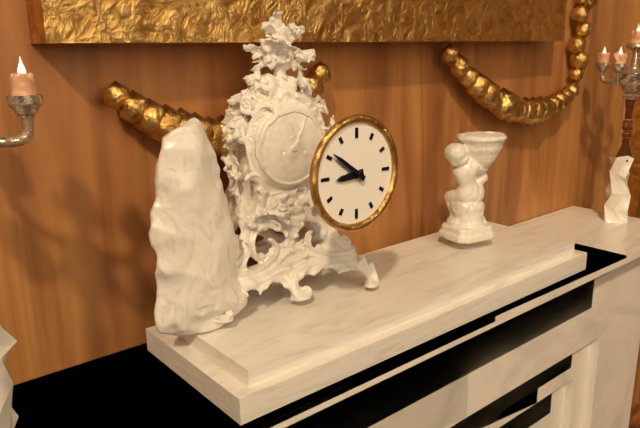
8:51
